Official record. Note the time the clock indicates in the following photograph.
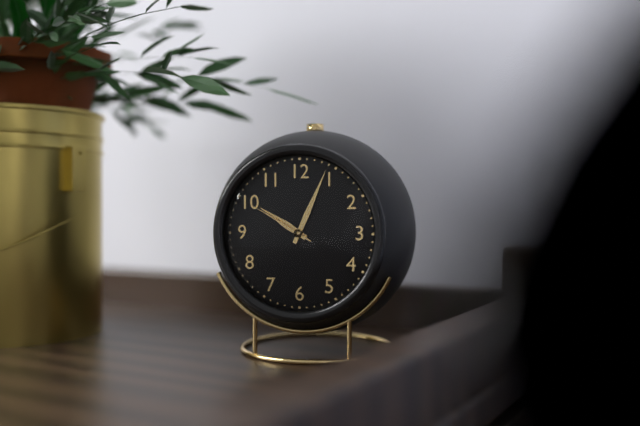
10:04:50
